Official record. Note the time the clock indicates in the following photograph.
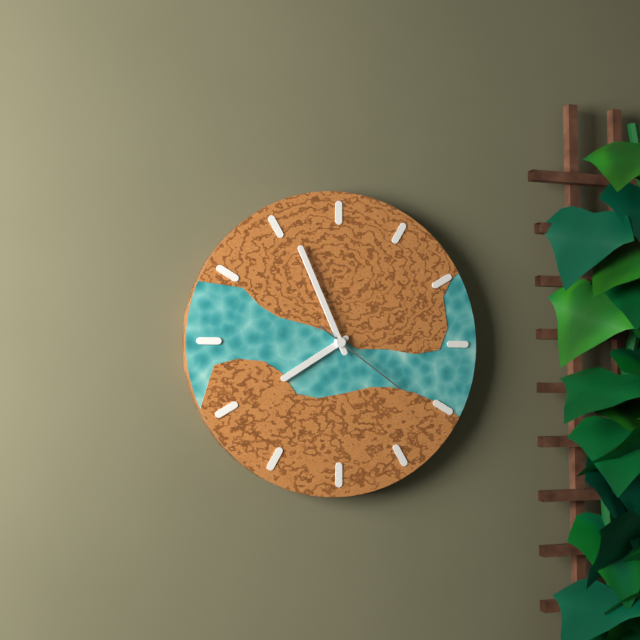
7:56:21
